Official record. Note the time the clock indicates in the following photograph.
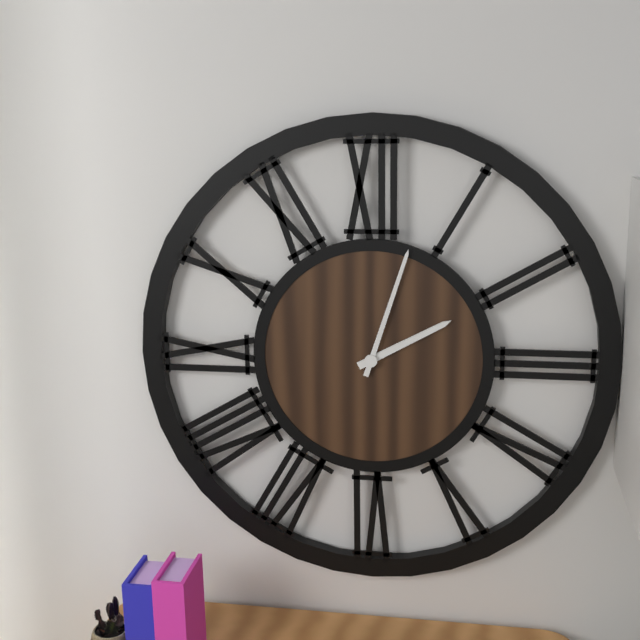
2:03
